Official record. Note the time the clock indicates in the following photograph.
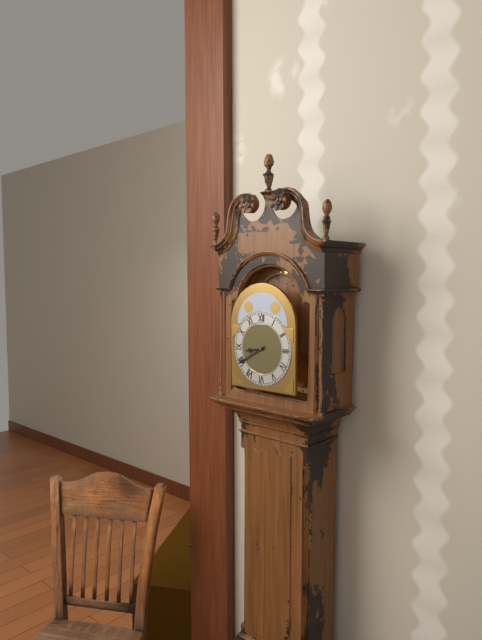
8:40
